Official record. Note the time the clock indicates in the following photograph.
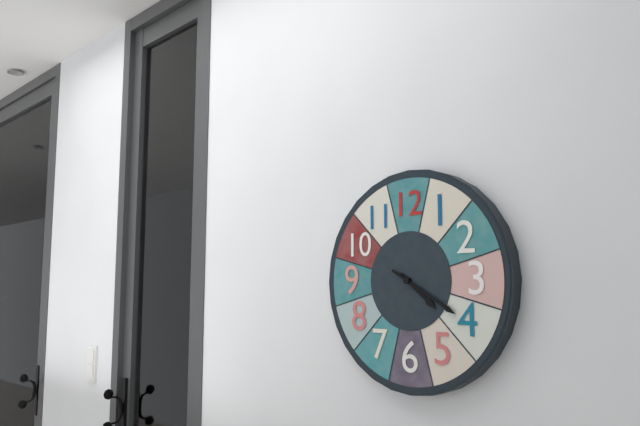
4:20
